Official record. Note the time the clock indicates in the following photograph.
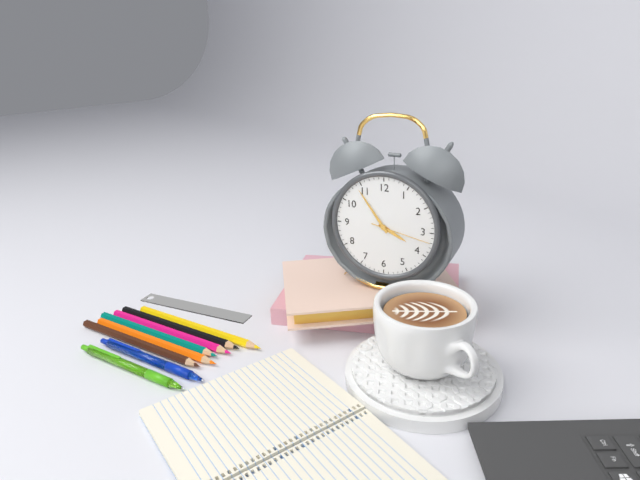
3:54:17
